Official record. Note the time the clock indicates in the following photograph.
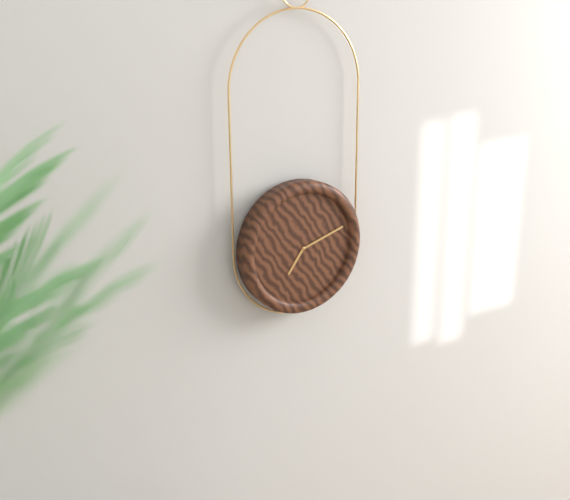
7:12
